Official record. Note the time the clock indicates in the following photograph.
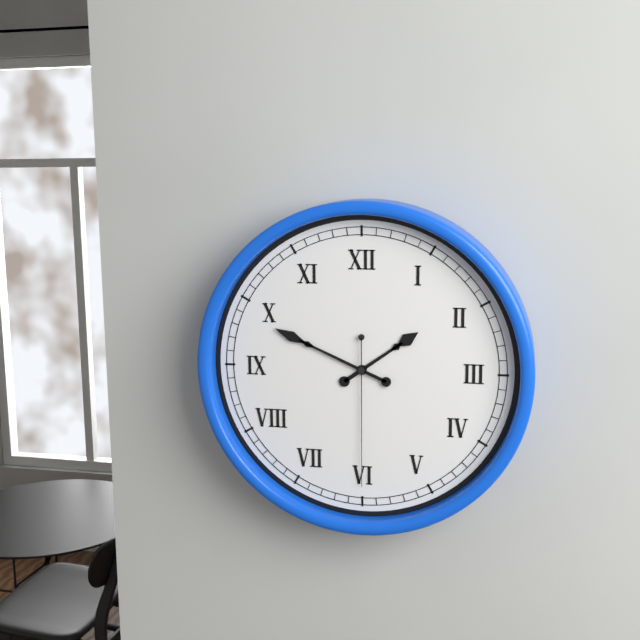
1:49:30
